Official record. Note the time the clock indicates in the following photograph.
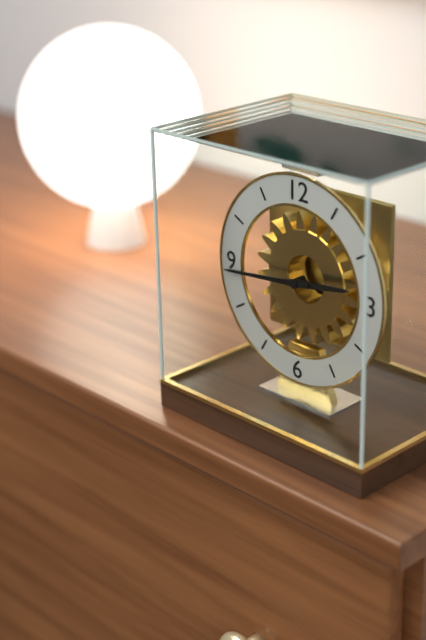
2:44
